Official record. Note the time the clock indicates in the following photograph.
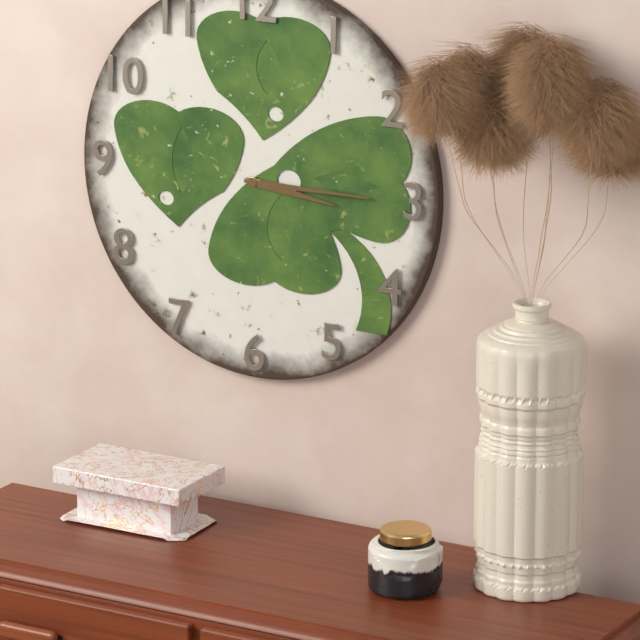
3:15
